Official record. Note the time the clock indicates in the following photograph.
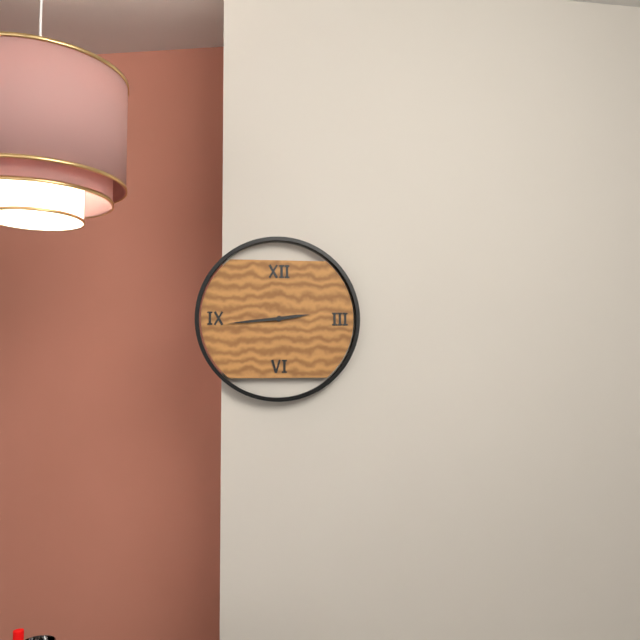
2:44
